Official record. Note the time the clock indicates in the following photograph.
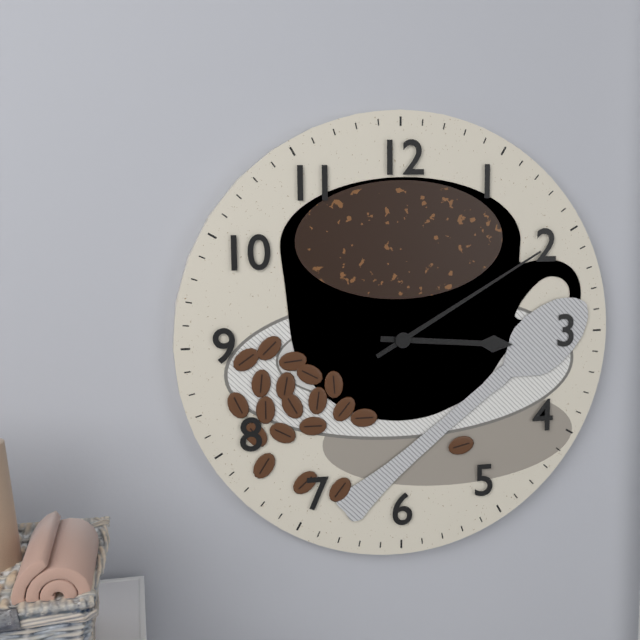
3:10
